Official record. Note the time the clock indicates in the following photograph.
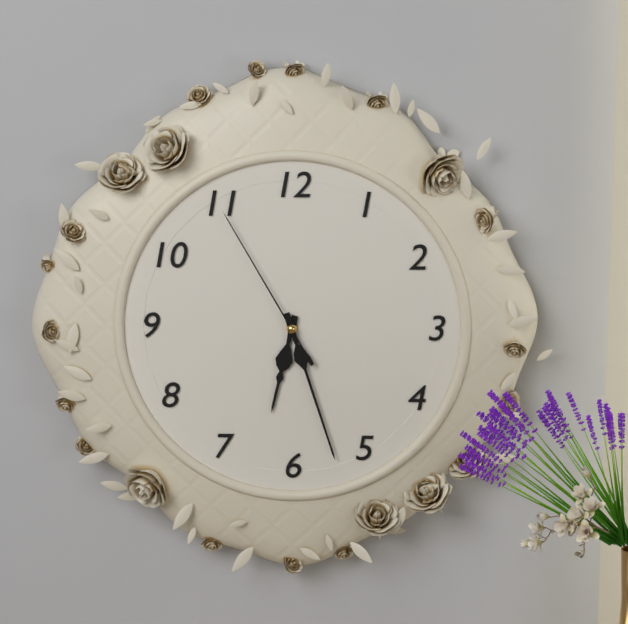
6:27:55
